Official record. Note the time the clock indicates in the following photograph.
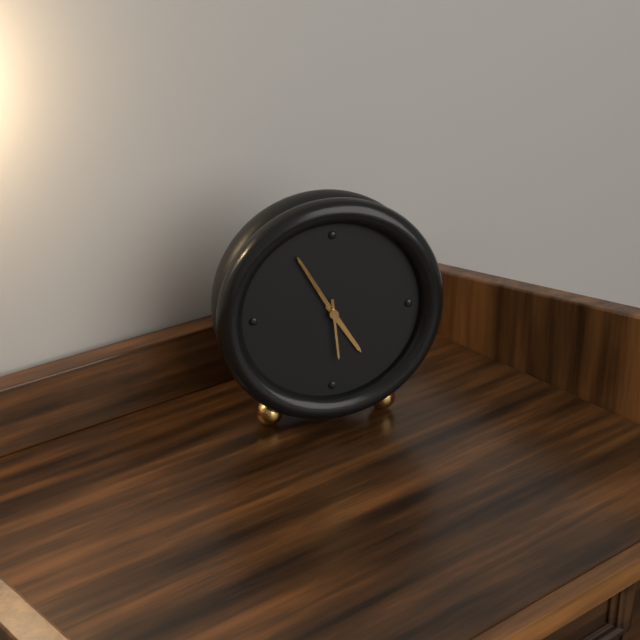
4:55:29
